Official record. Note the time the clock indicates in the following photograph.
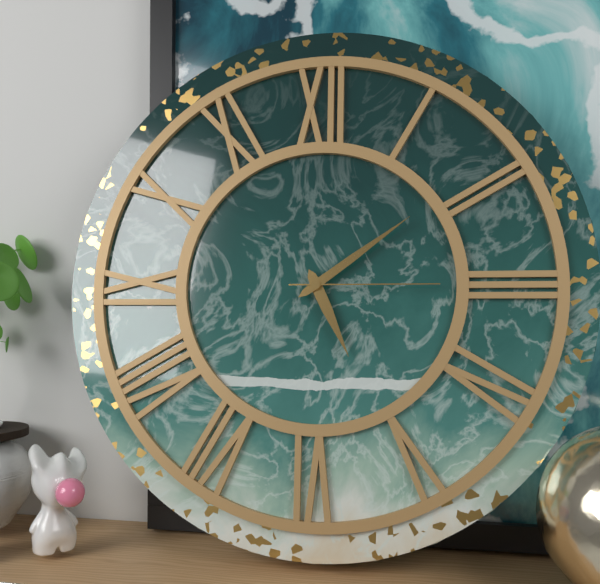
5:09:15
